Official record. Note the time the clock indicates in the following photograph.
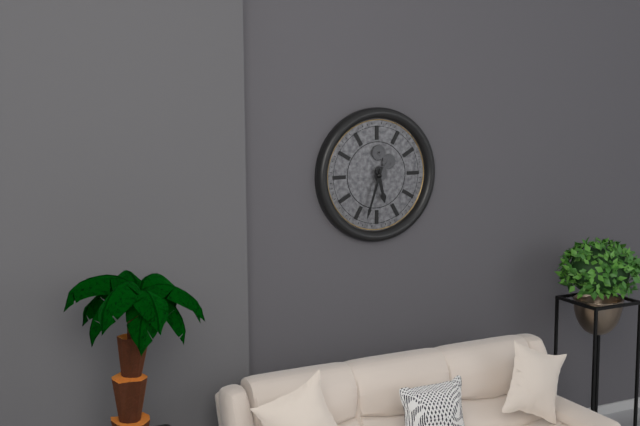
5:33
